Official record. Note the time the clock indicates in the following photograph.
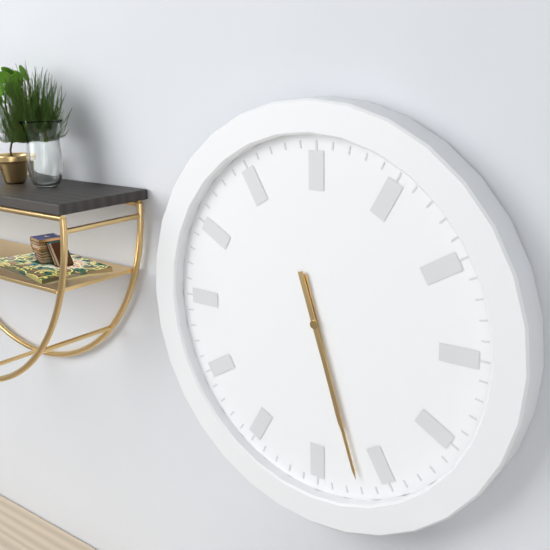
5:27
